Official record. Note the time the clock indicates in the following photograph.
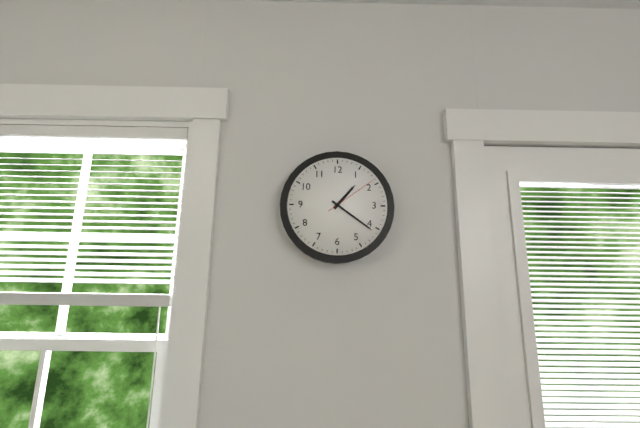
1:21:09
